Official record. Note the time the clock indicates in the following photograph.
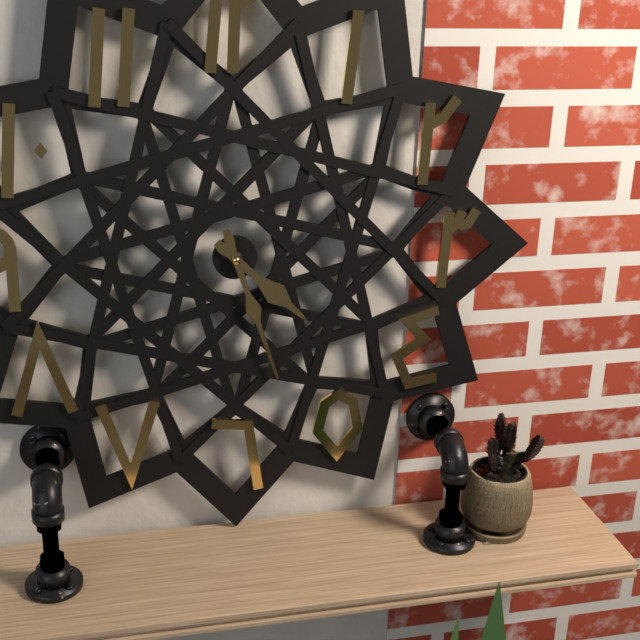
4:27
